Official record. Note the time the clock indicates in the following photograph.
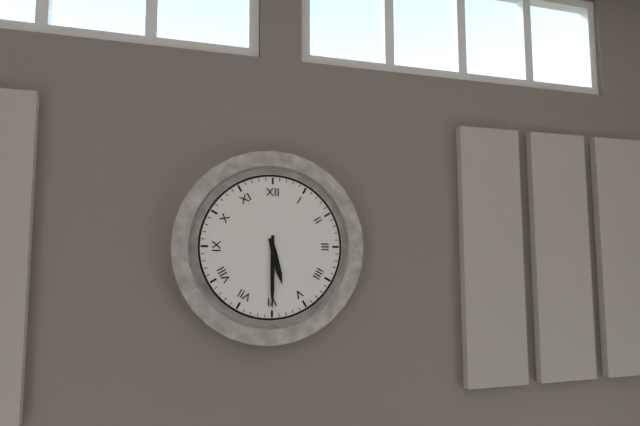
5:30
